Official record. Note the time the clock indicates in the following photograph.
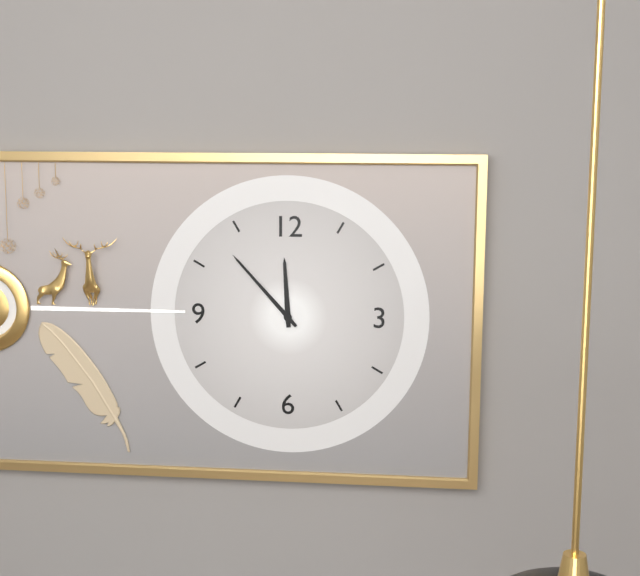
11:53
